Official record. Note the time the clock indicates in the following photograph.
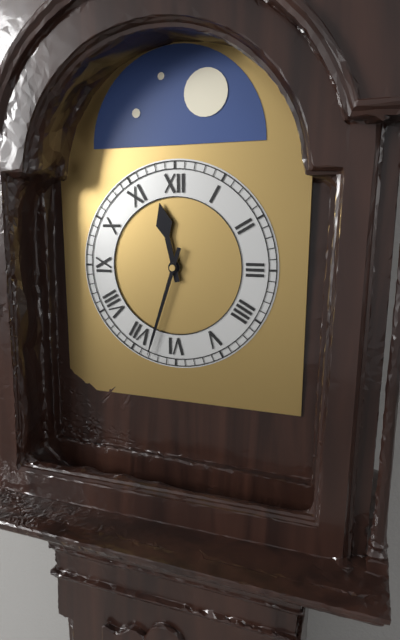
11:33
